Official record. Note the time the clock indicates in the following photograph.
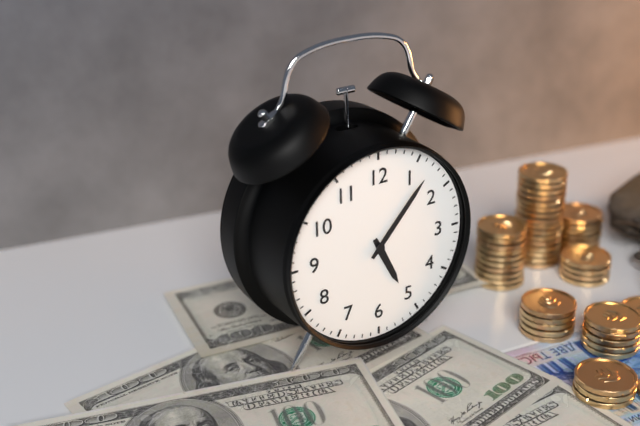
5:07
